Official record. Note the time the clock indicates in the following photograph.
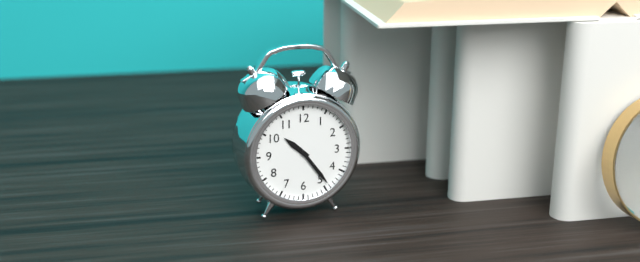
10:24
